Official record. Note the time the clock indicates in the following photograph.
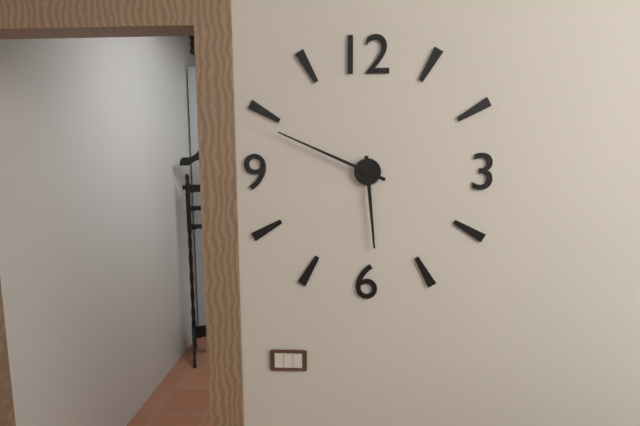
5:49
